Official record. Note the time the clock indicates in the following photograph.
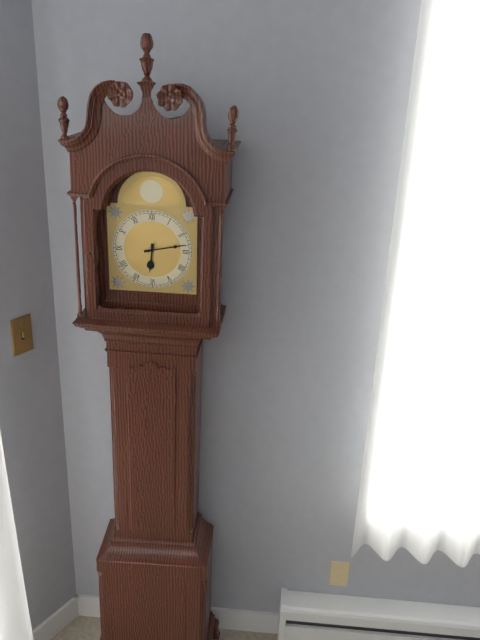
6:13
